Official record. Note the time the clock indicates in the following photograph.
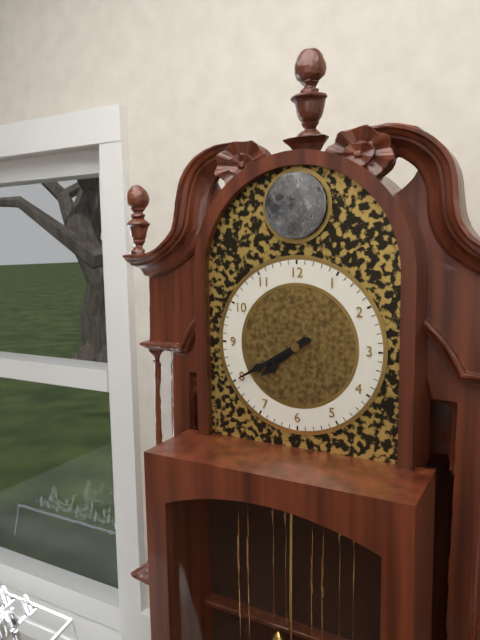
7:40
